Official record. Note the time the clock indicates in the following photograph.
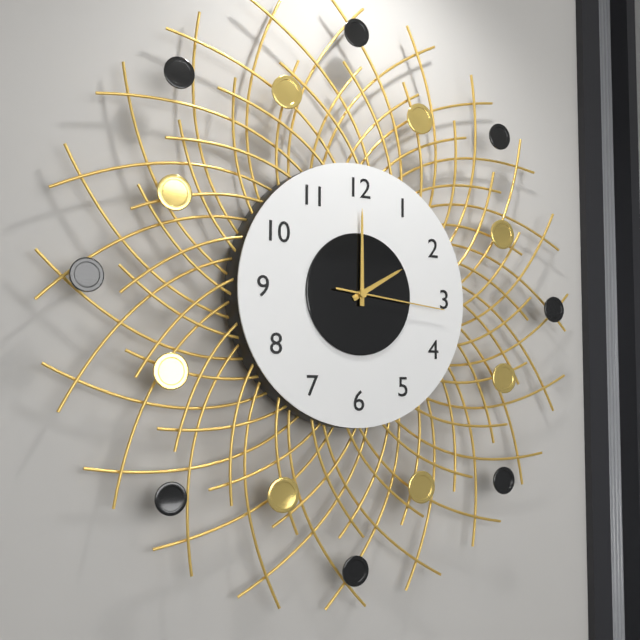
2:00:16
